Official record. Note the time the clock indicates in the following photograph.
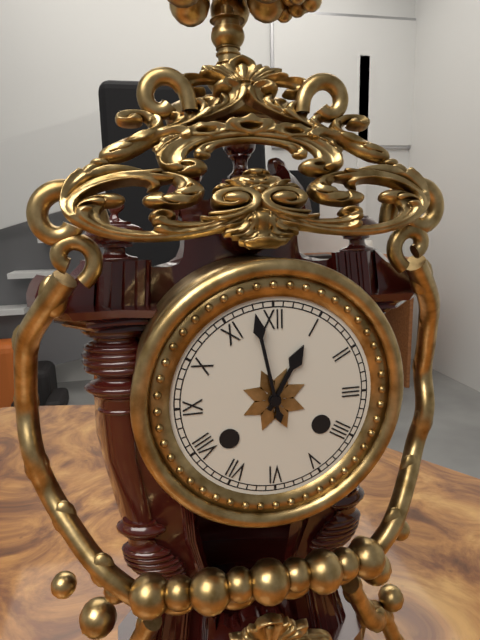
12:58
